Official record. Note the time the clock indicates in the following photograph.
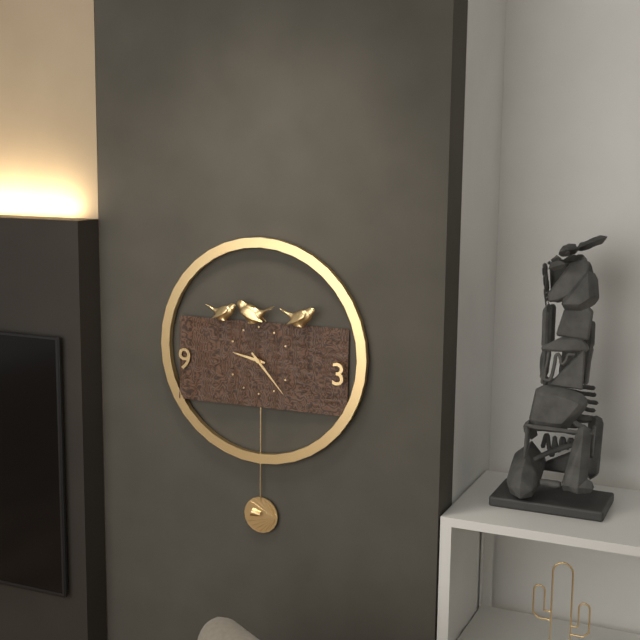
9:23
